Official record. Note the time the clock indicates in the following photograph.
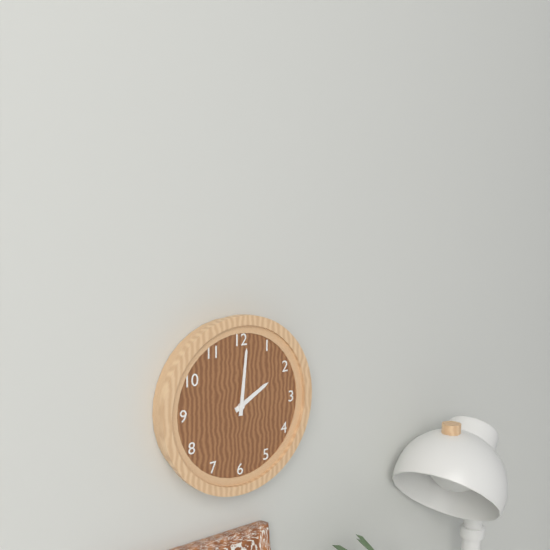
2:01
